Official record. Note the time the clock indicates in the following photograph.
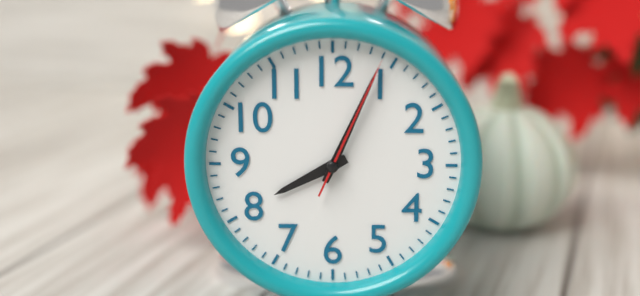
8:04:04
